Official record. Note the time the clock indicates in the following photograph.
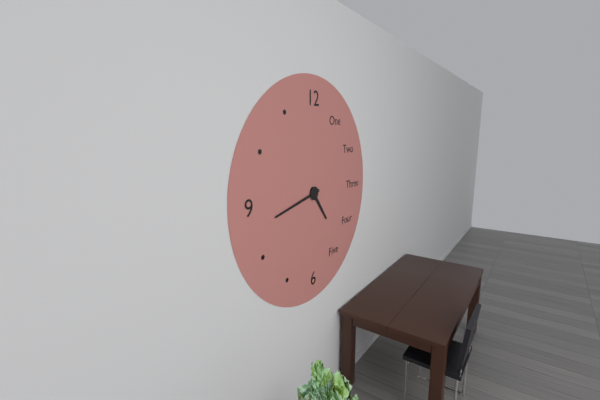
4:43
